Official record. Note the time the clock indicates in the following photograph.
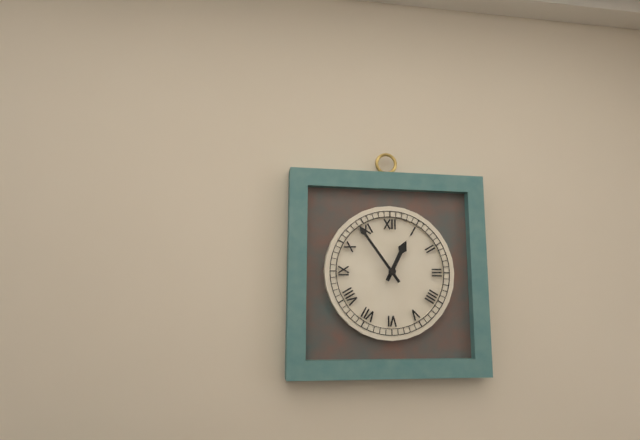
12:54
